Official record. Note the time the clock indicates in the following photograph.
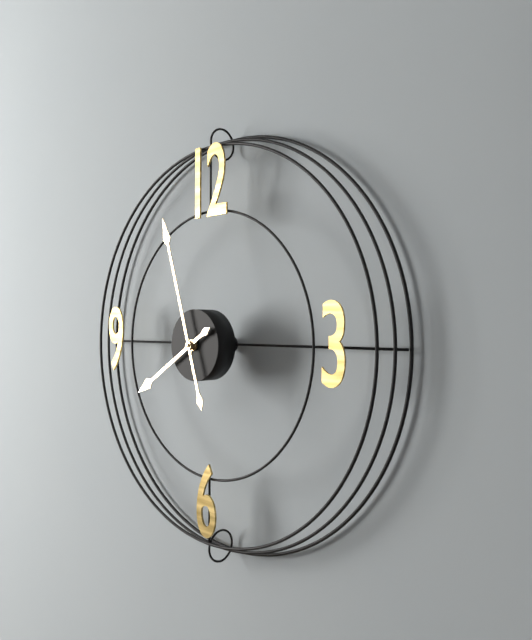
7:57
